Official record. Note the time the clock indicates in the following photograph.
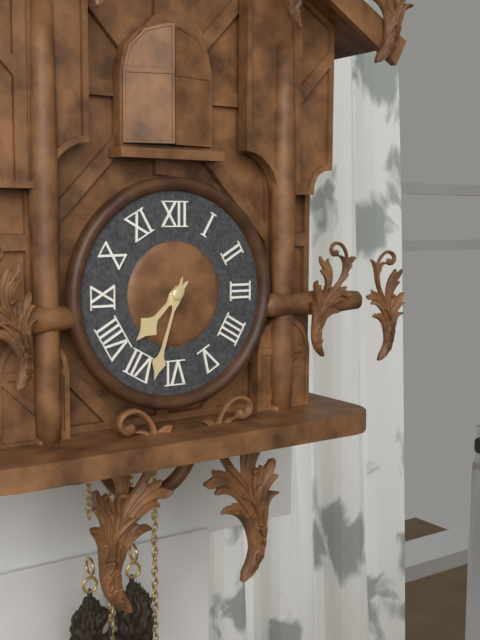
7:33
